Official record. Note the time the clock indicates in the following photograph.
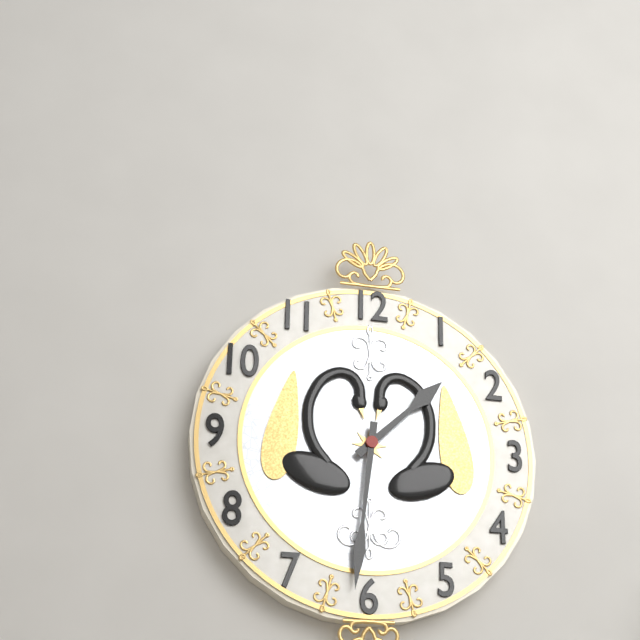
1:31
